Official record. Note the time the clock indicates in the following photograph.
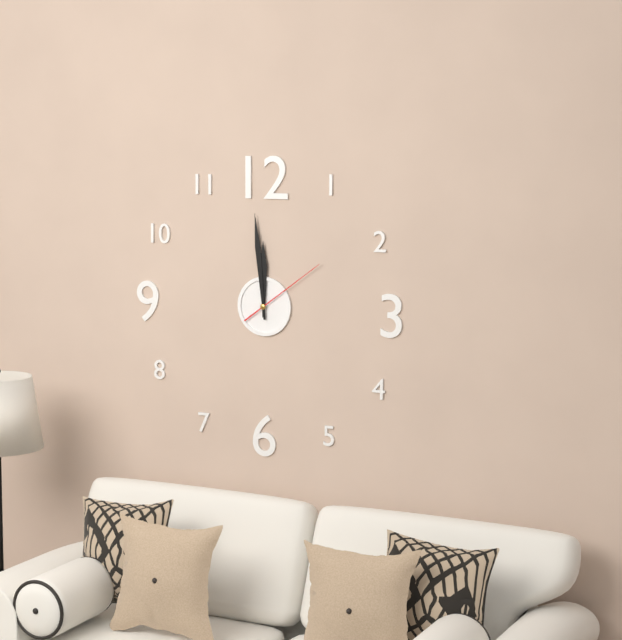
11:59:09
